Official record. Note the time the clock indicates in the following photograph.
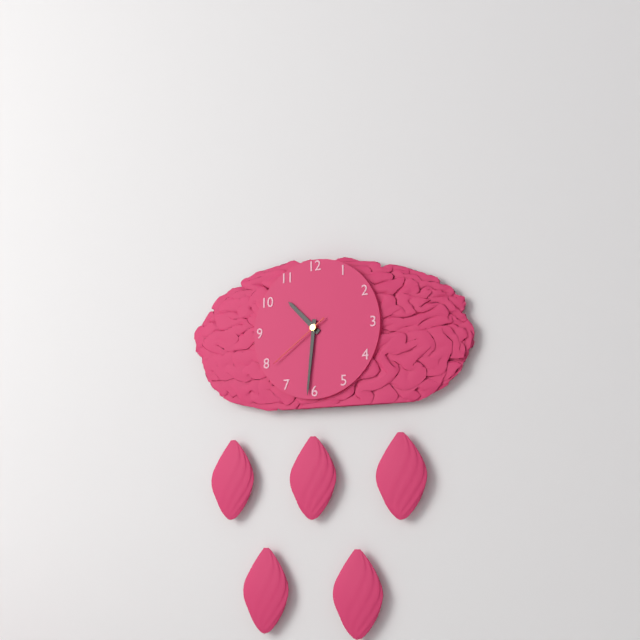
10:31:39
